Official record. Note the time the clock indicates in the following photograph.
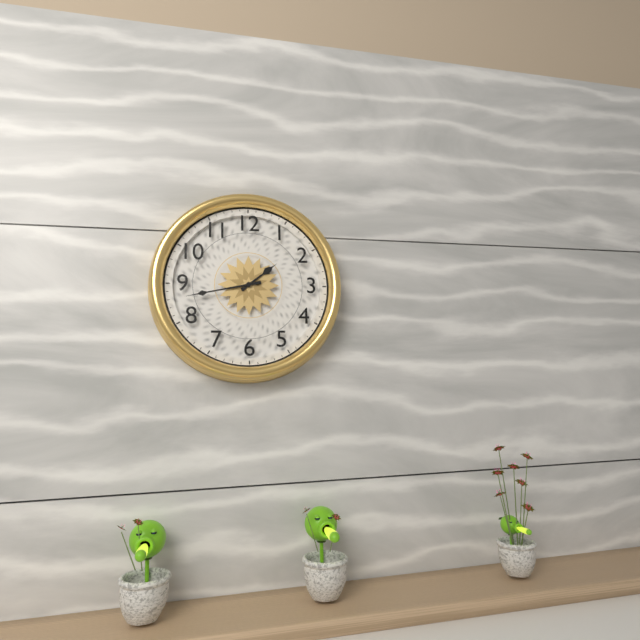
1:43
